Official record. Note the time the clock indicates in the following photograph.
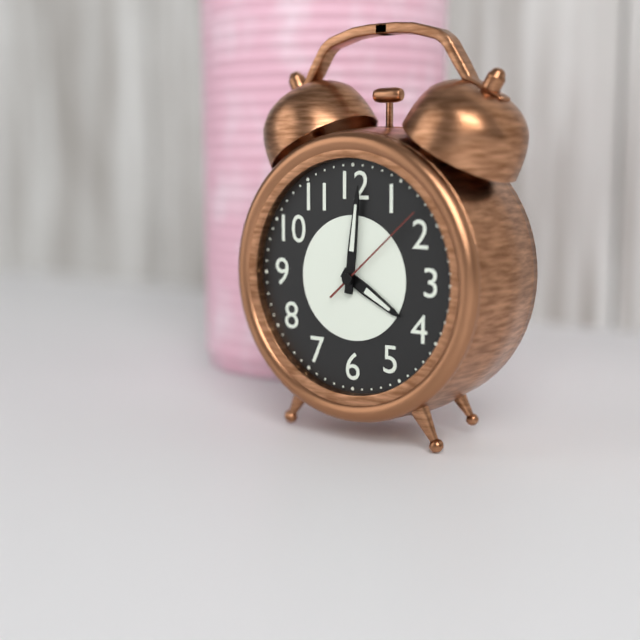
4:01:08
